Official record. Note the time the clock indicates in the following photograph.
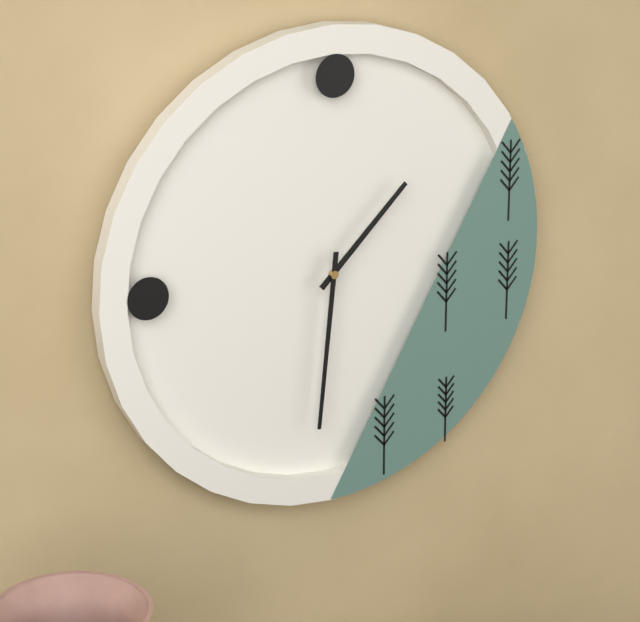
1:31
